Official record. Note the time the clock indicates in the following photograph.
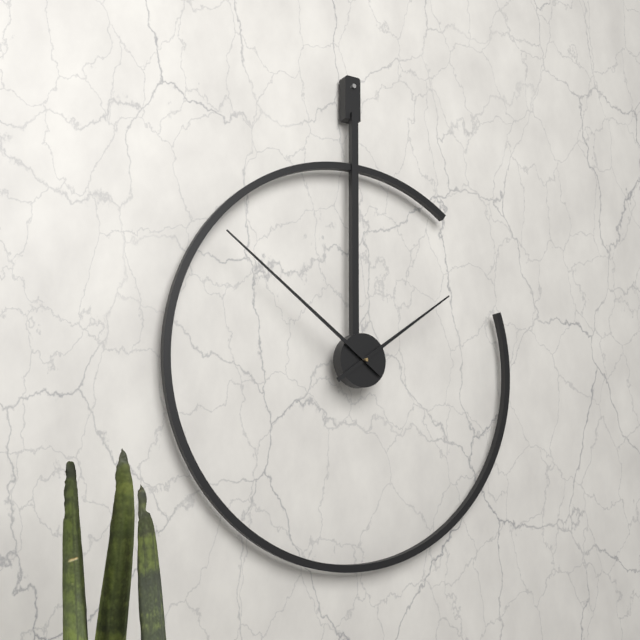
1:51
